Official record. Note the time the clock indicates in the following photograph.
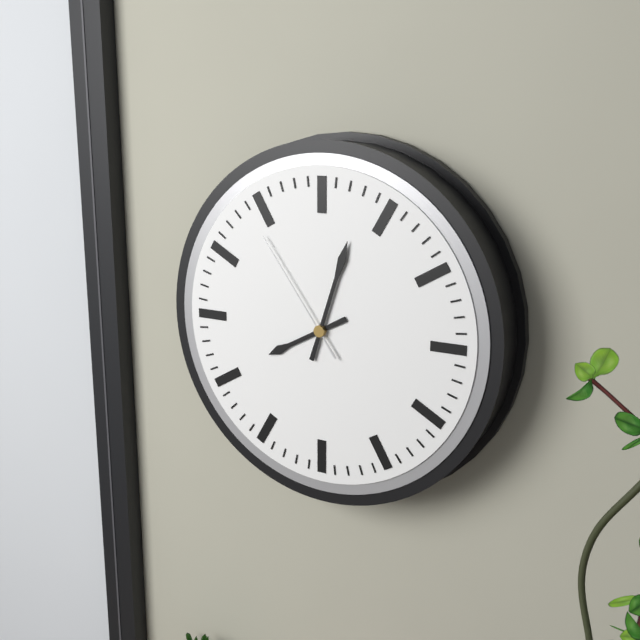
8:03:54
